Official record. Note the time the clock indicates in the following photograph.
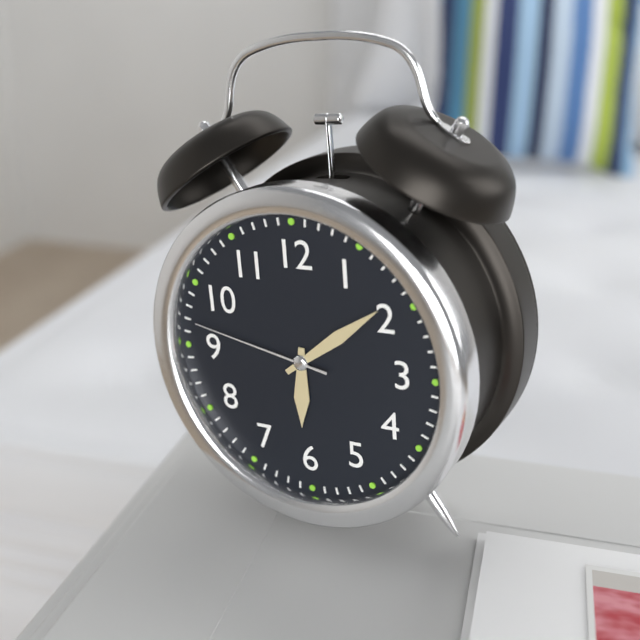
6:09:47
